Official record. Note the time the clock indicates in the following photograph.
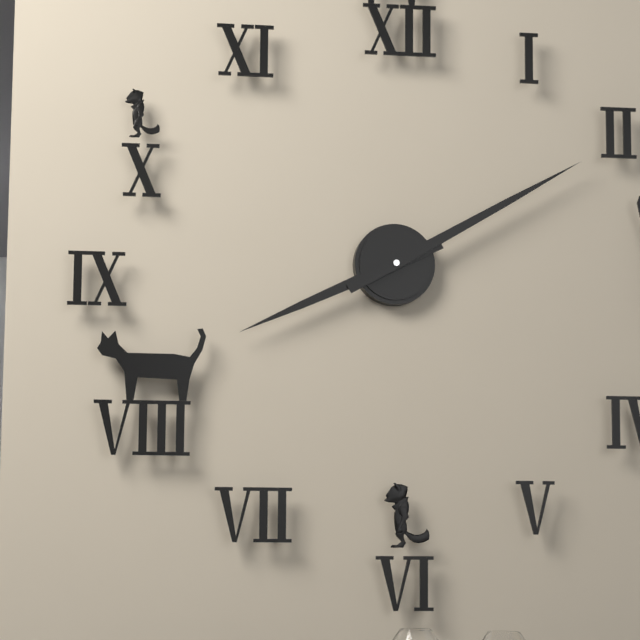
8:10
